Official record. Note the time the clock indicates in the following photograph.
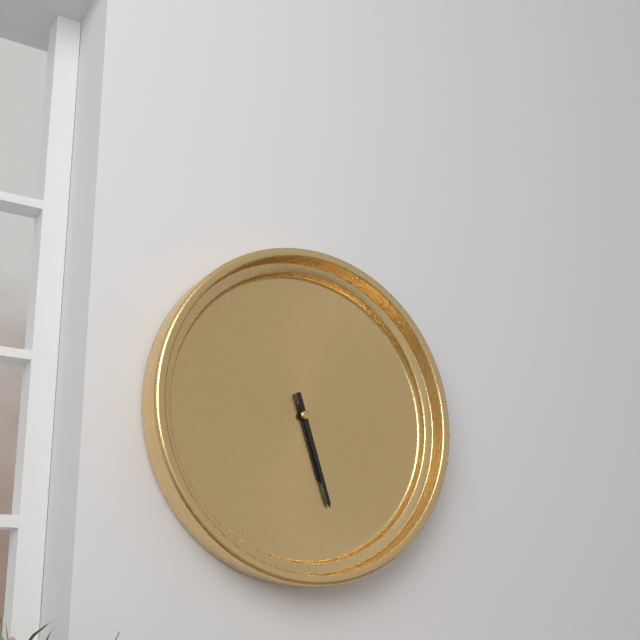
5:27
